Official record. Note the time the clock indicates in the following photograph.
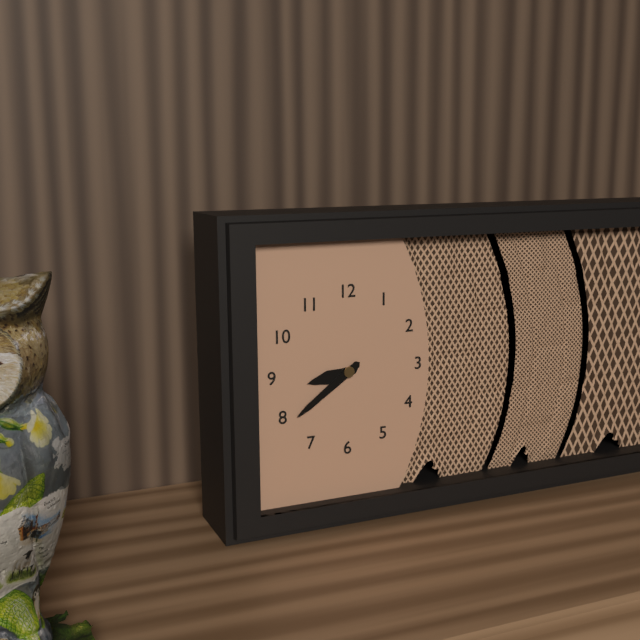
8:39
